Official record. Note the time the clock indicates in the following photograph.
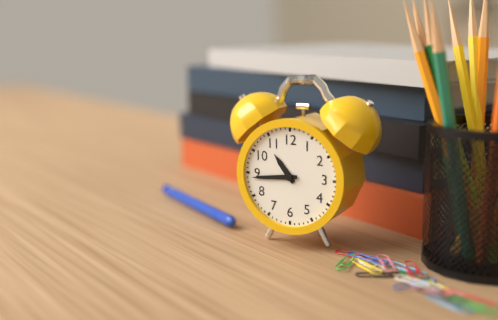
10:44
